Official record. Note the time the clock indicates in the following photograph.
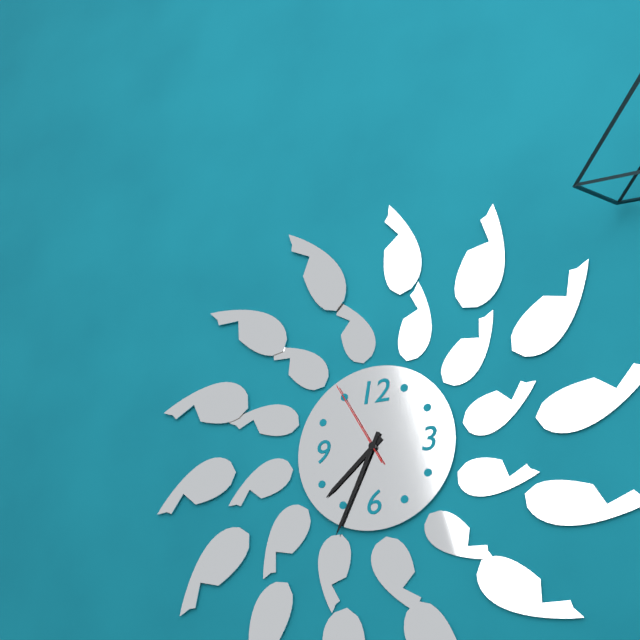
7:34:55
